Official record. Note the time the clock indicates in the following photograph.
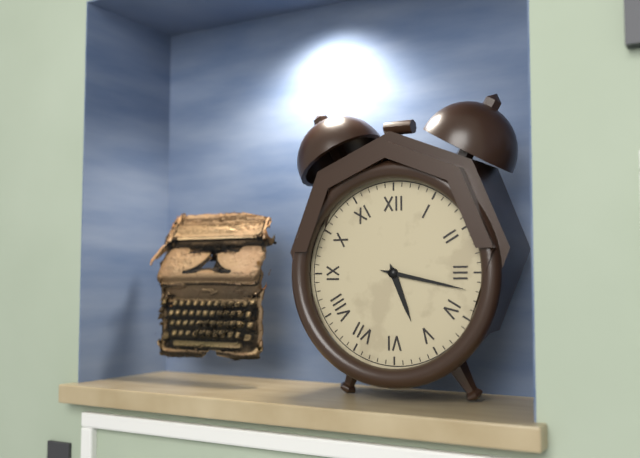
5:17
